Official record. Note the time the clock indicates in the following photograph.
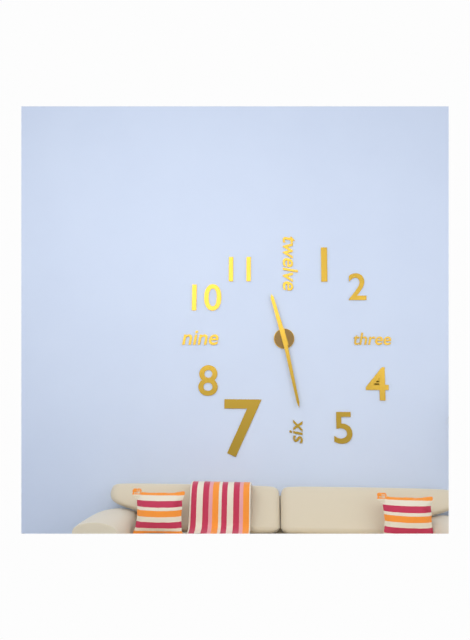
11:28
